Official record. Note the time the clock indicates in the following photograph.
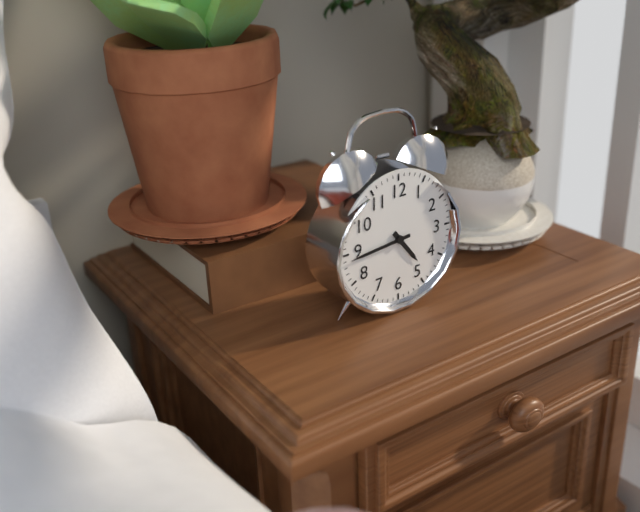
4:44
